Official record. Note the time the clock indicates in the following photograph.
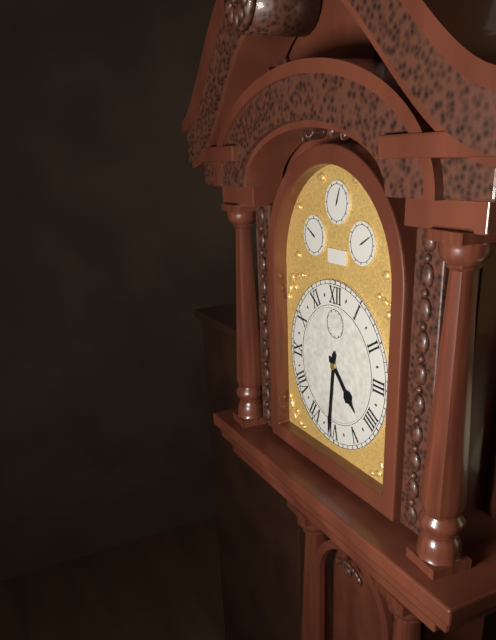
4:31
